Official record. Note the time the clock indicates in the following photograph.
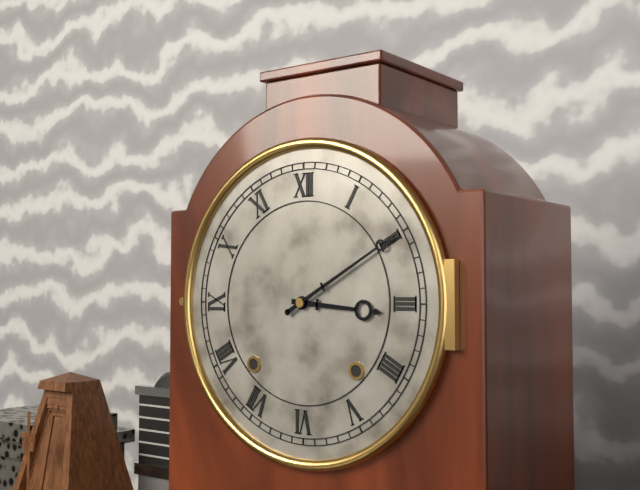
3:10
